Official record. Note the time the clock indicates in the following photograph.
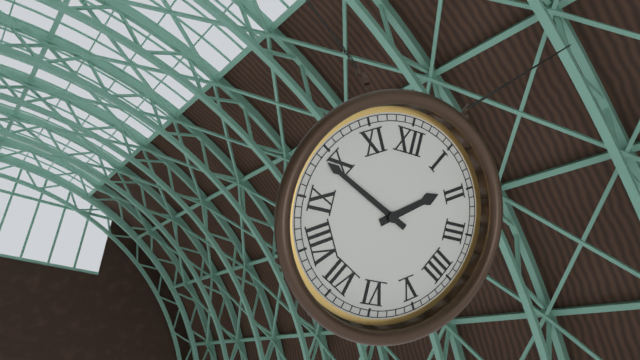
1:49
